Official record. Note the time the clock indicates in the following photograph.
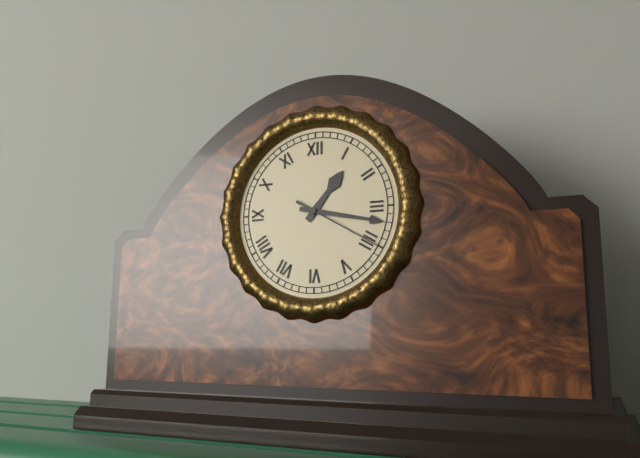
1:17
